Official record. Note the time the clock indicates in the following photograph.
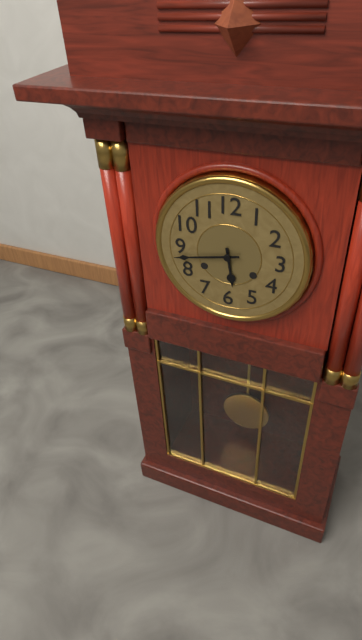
5:43
